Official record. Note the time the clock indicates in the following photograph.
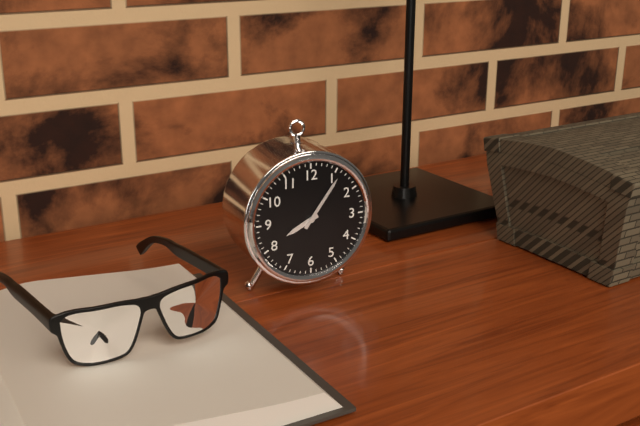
8:06
